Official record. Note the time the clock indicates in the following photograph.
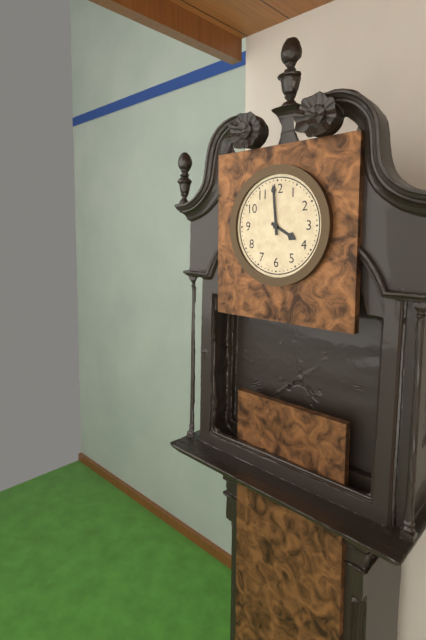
3:59
